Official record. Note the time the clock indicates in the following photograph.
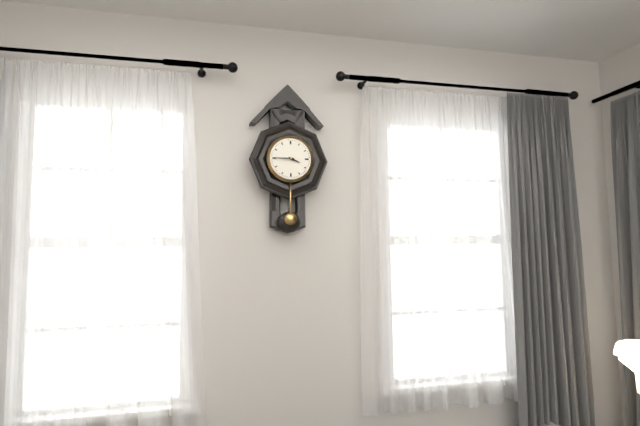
3:45
